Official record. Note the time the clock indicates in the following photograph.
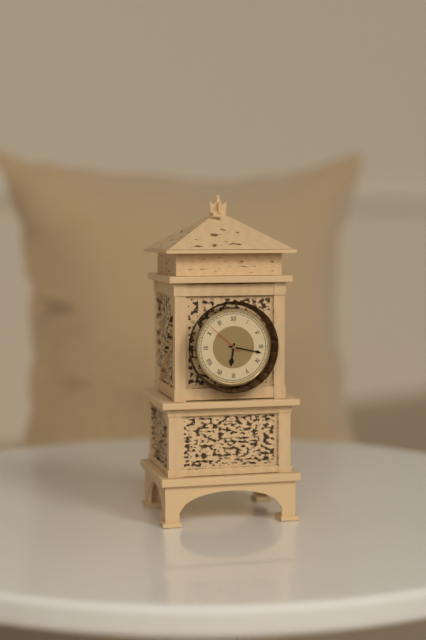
6:17
